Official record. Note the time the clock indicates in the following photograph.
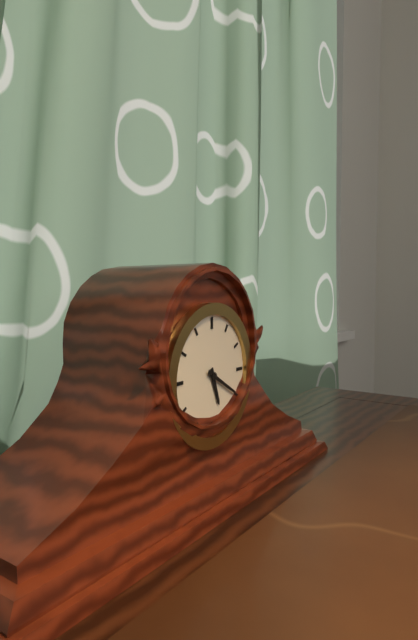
5:20
